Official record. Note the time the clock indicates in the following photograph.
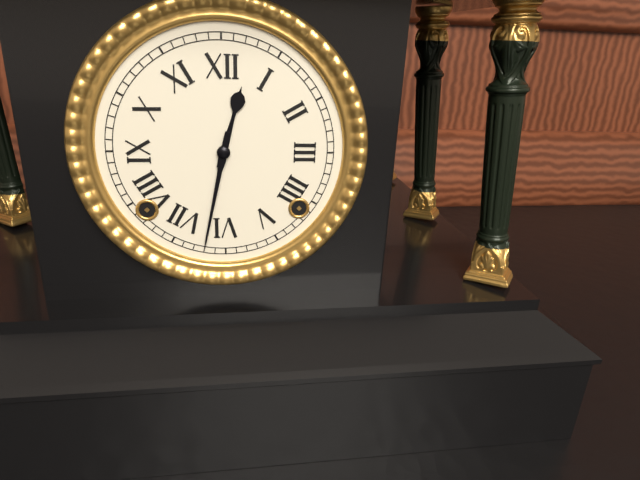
12:32
